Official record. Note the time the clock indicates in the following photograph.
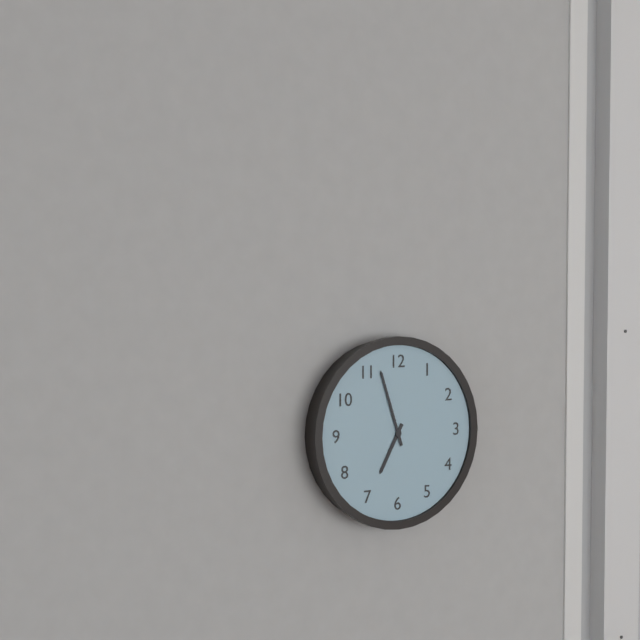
6:57
